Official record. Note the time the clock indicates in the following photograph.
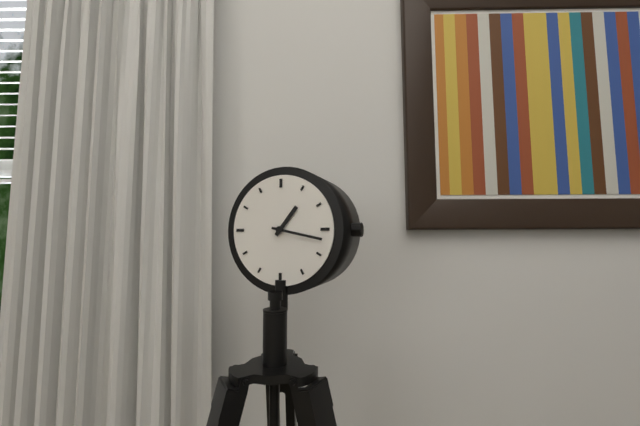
1:17
